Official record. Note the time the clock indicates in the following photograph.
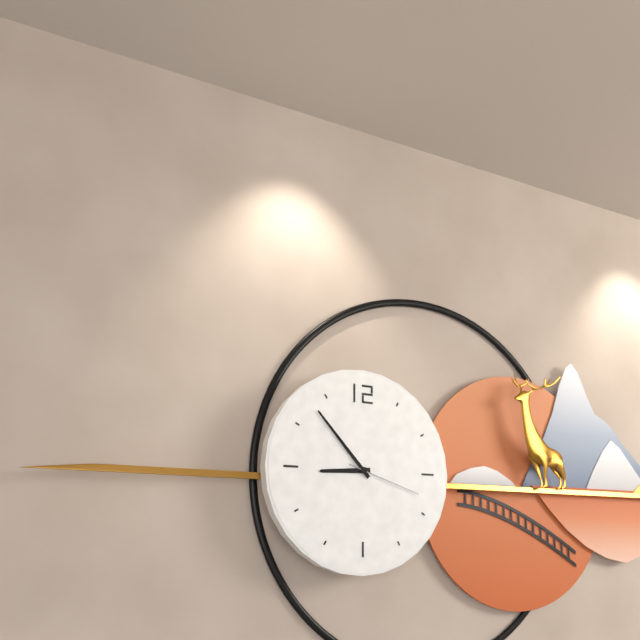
8:53:18
